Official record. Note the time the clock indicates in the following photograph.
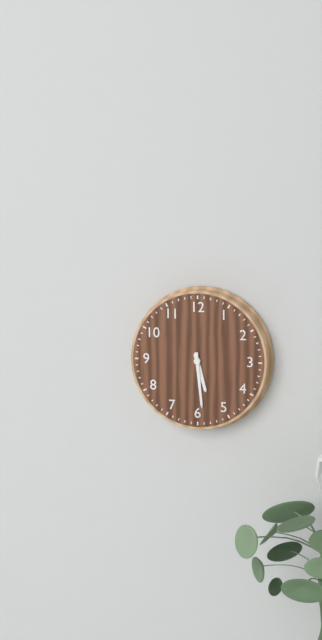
5:29
